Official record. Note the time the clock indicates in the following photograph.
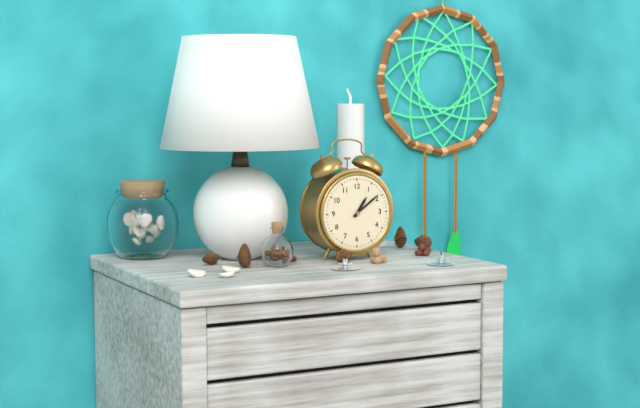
1:09
